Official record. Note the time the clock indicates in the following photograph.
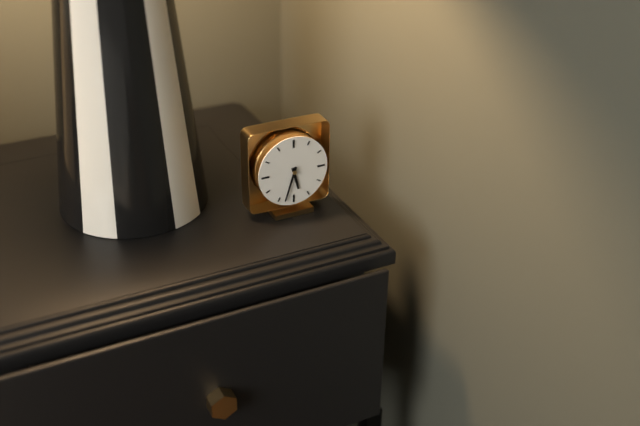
5:33
